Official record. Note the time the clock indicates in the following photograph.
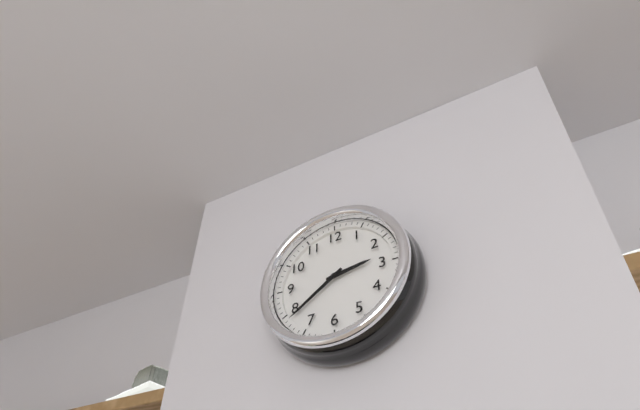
2:39
